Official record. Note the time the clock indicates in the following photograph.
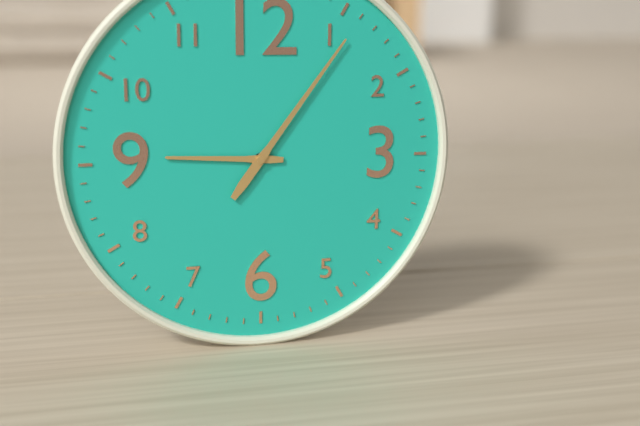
9:06
